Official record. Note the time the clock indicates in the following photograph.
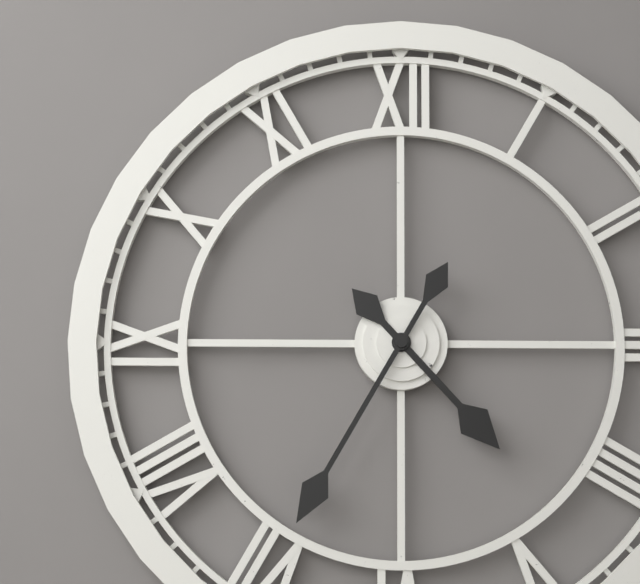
4:35
